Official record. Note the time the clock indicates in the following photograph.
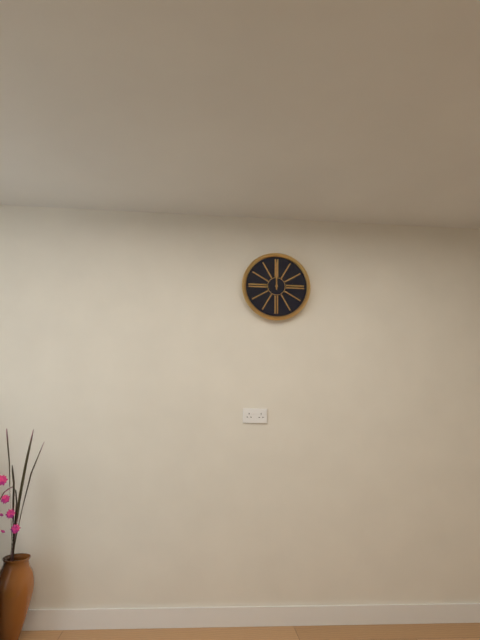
12:00
